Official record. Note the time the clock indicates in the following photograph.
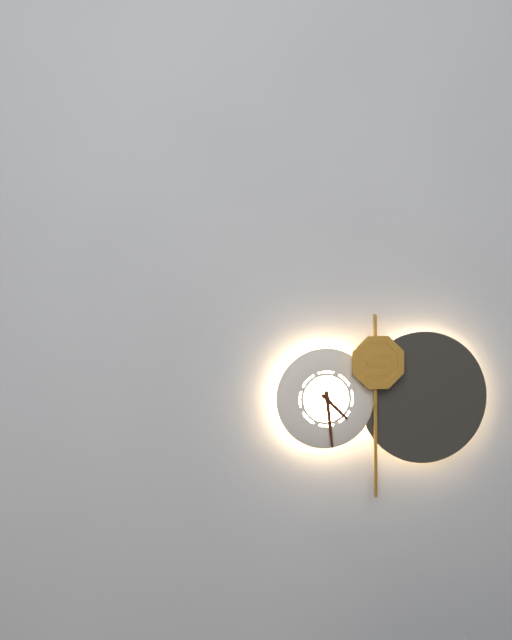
4:29
